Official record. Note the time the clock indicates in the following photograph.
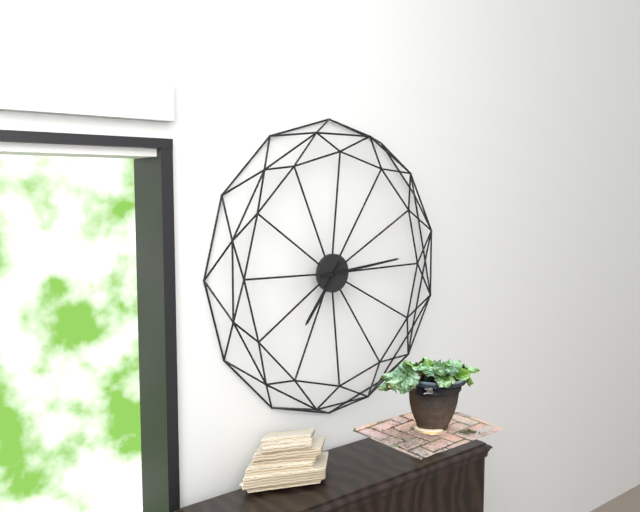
7:14
